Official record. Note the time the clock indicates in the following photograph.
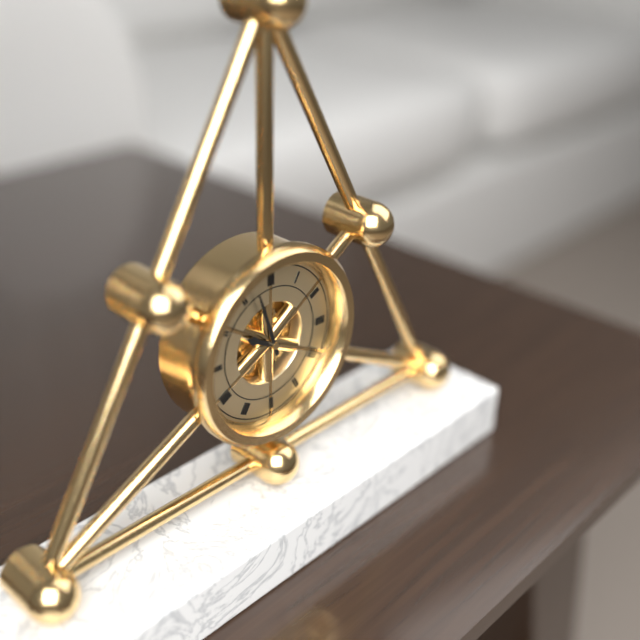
9:57
